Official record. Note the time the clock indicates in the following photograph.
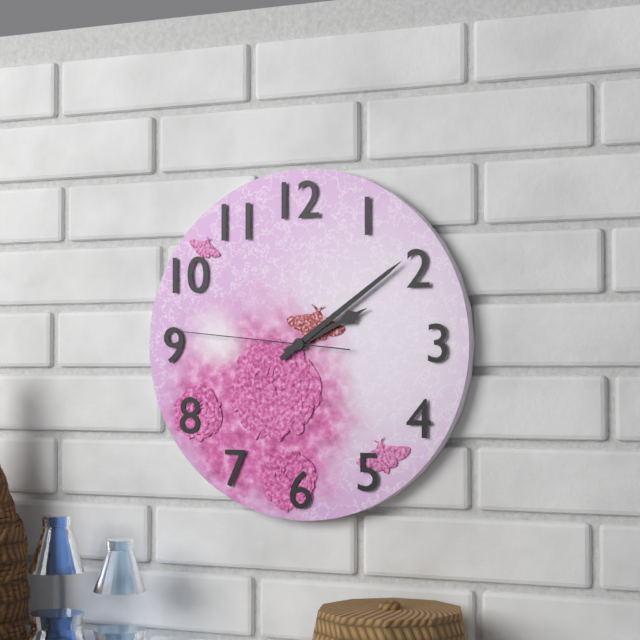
2:09:46
